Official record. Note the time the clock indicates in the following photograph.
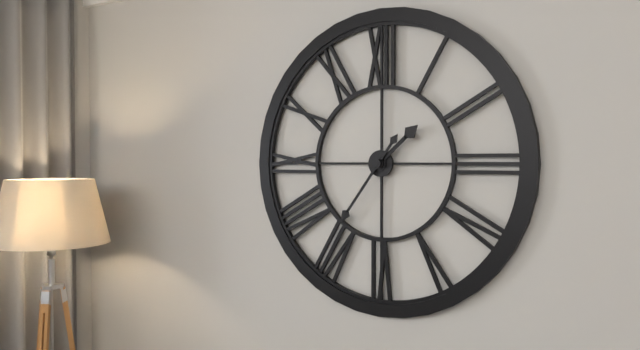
1:36
